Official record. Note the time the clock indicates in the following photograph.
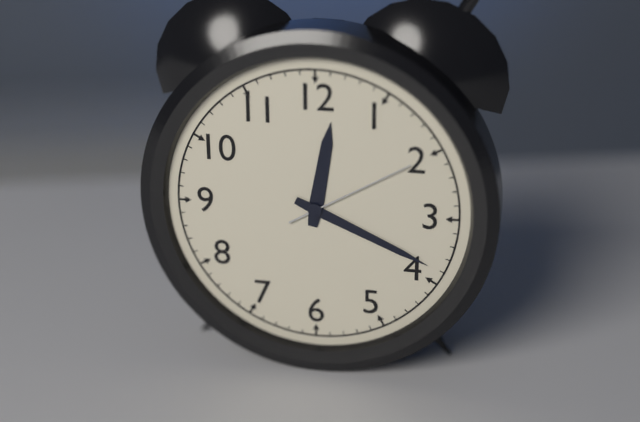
12:19:10
